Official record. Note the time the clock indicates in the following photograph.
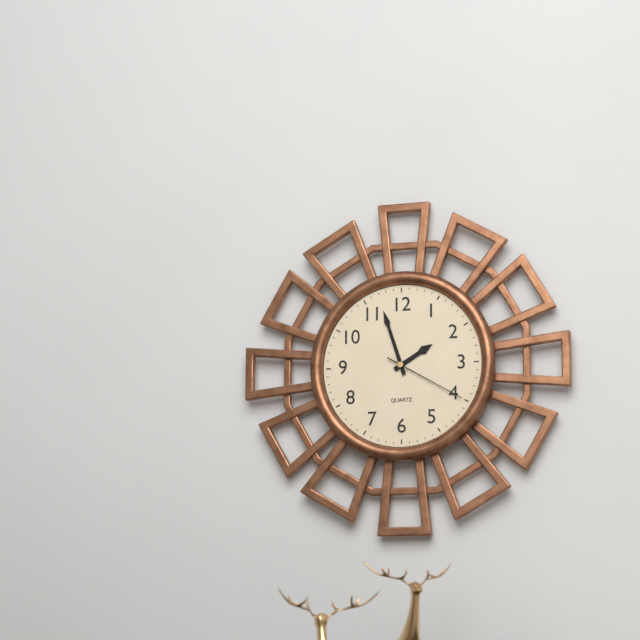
1:57:20
